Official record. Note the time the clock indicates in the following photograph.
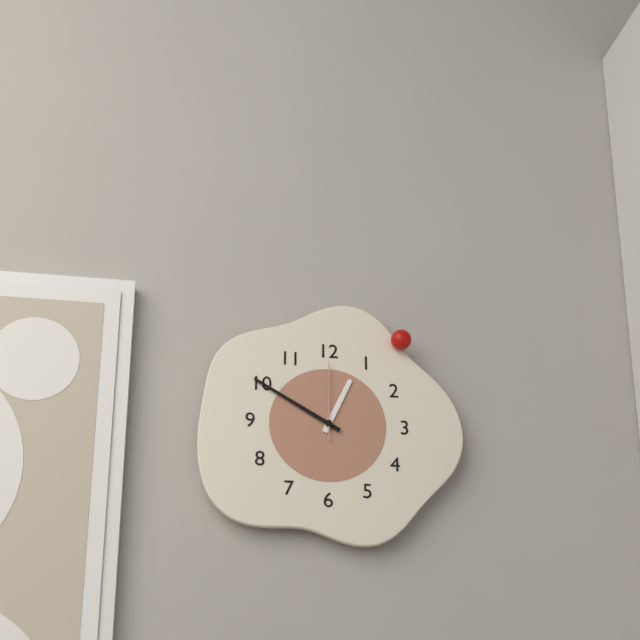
12:50:00
